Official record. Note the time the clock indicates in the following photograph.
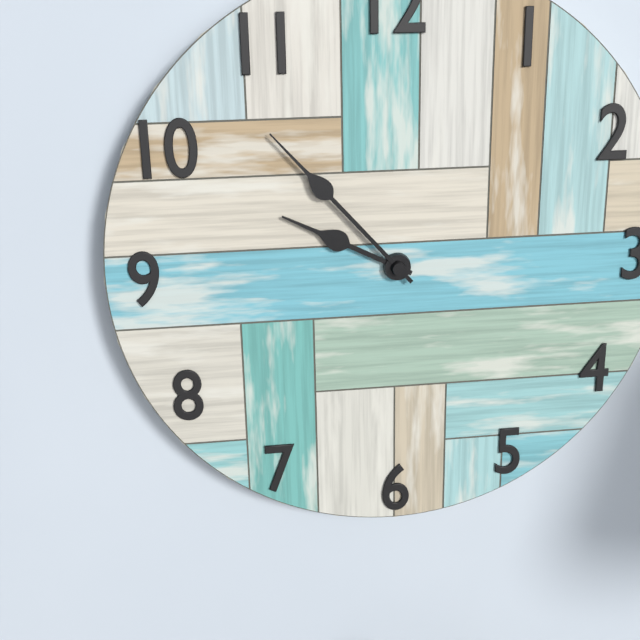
9:53
